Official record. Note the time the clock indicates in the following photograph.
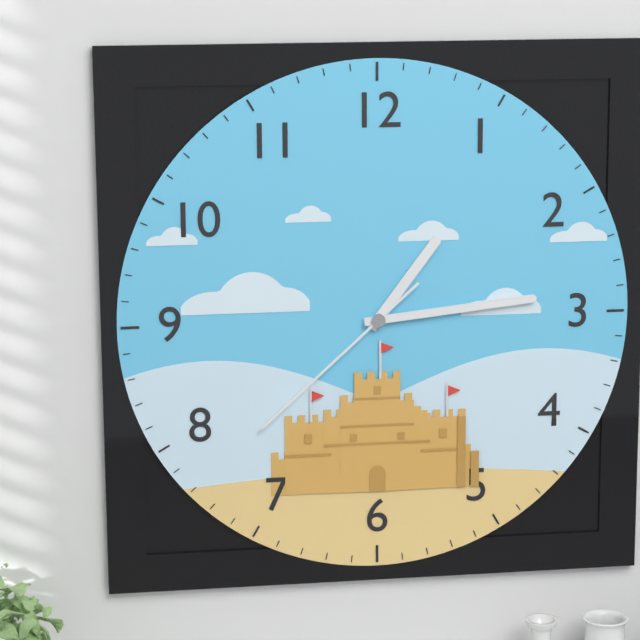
1:14:38
